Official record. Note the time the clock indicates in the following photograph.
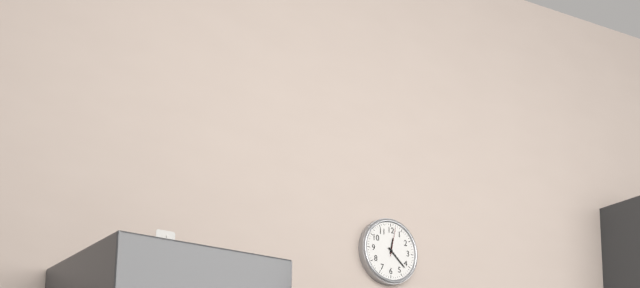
12:22
